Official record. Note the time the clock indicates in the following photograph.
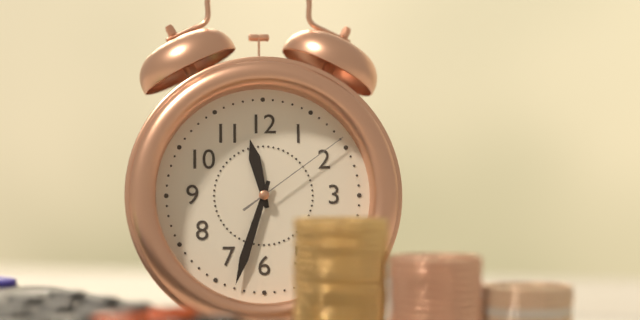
11:33:09
